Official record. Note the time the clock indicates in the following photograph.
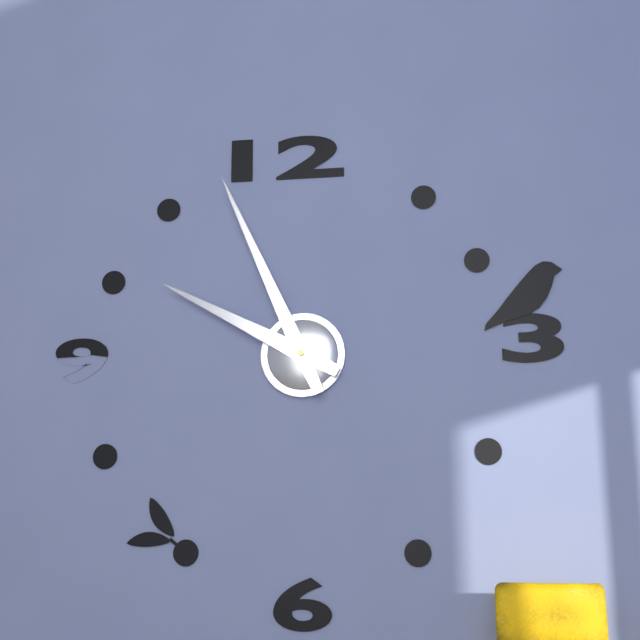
9:56
